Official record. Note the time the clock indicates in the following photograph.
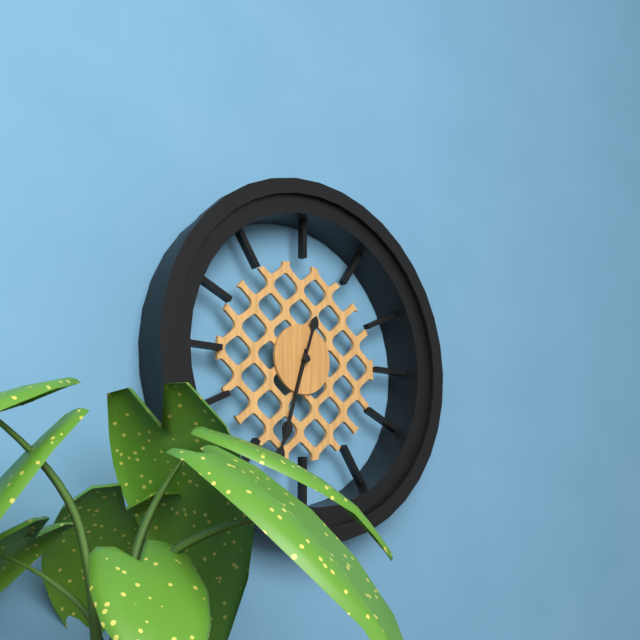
6:33
